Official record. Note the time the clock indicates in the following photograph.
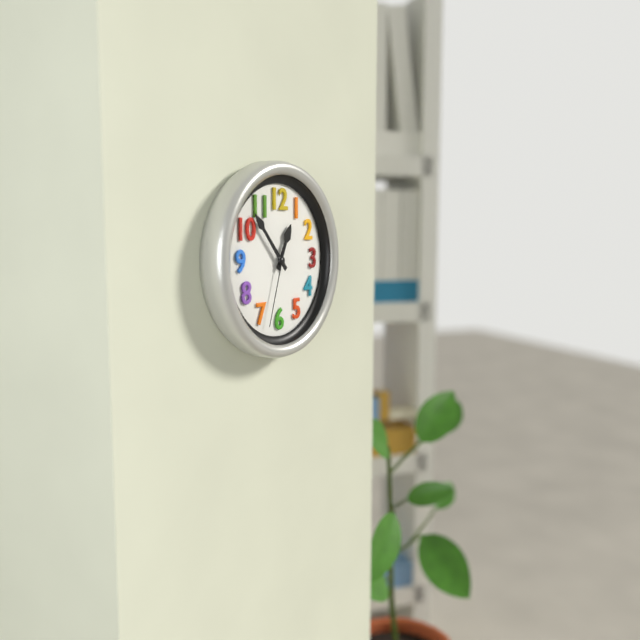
12:53:33
